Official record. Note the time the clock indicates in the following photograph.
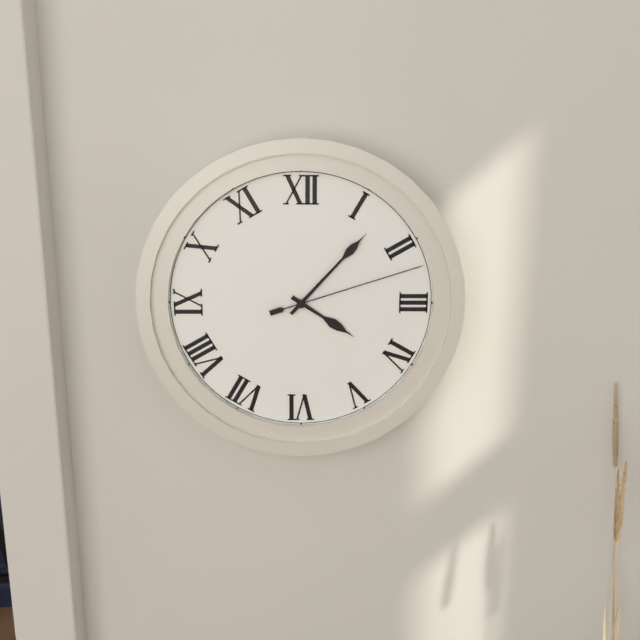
4:07:12
